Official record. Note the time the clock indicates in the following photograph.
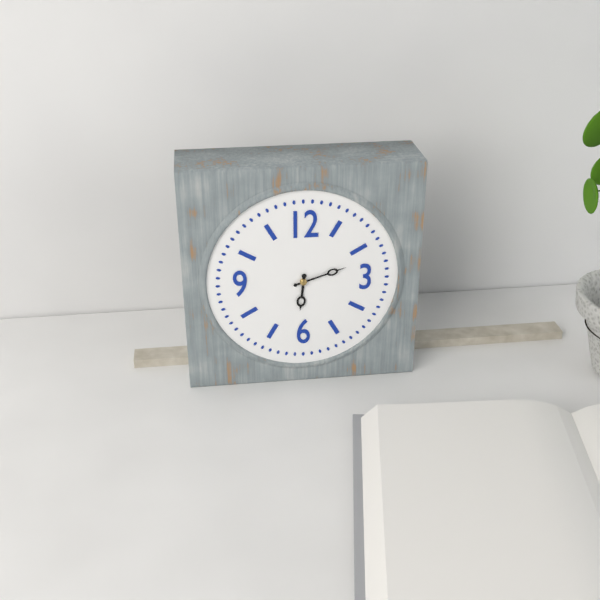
6:12
